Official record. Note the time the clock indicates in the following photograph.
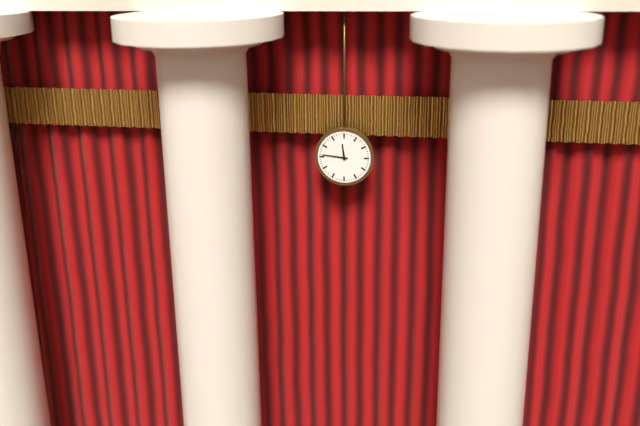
11:46
